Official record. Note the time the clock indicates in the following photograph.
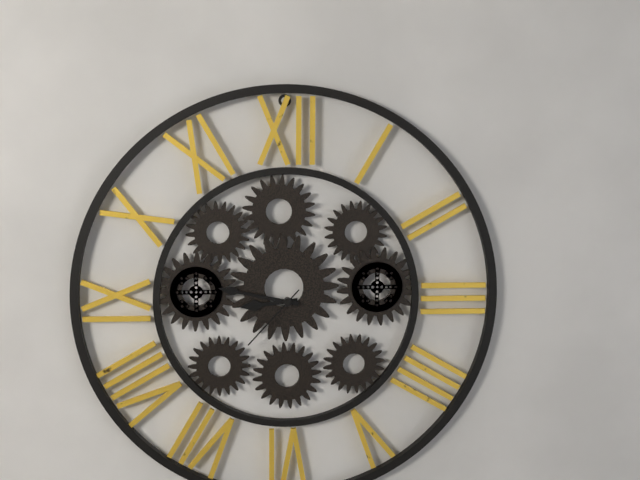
8:47:37
